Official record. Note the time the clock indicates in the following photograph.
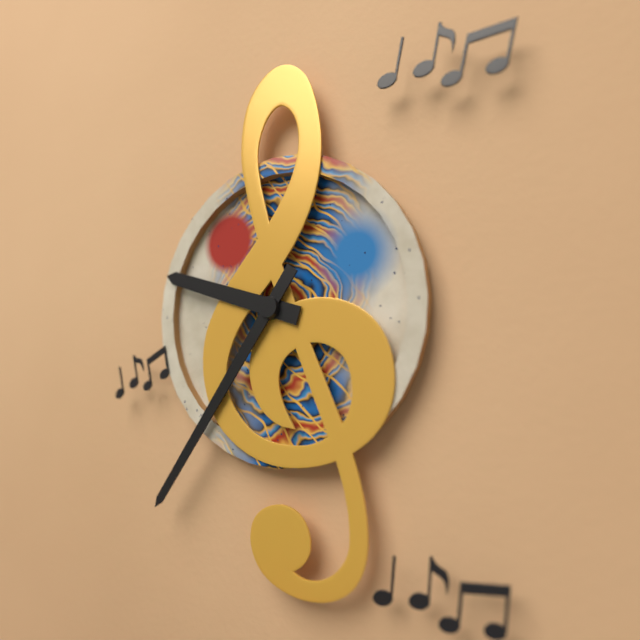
9:36
